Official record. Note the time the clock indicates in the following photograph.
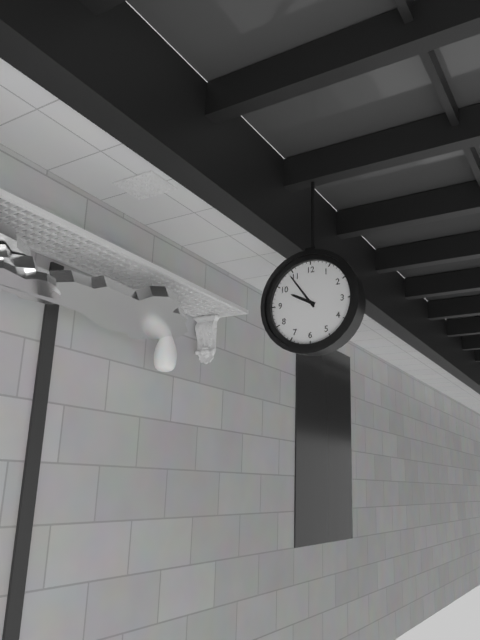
9:54
